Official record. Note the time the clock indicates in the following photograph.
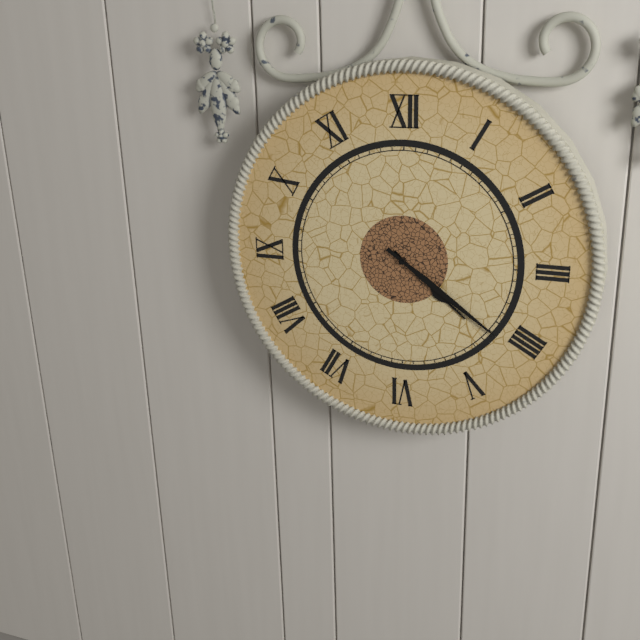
4:21
